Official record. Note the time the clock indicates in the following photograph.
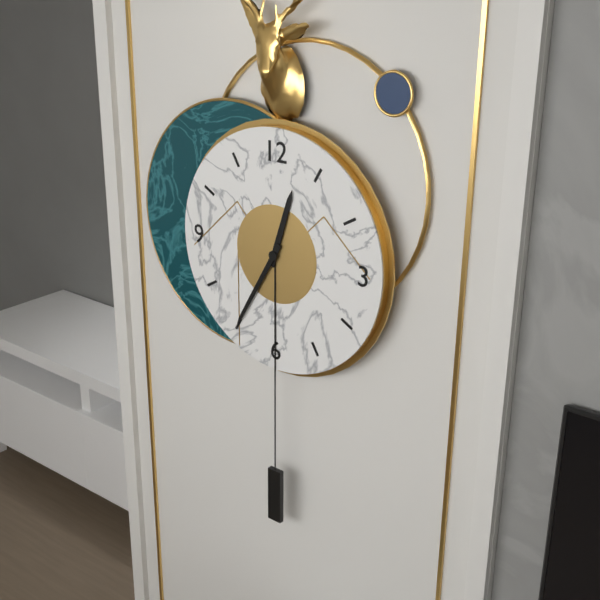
12:35
